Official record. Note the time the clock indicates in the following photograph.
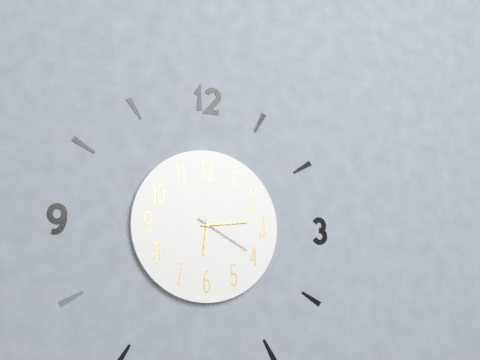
6:14:20
